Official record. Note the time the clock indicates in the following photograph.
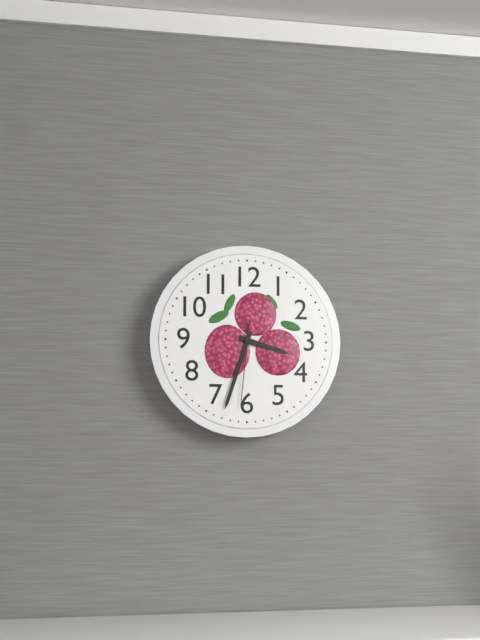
3:33:31
